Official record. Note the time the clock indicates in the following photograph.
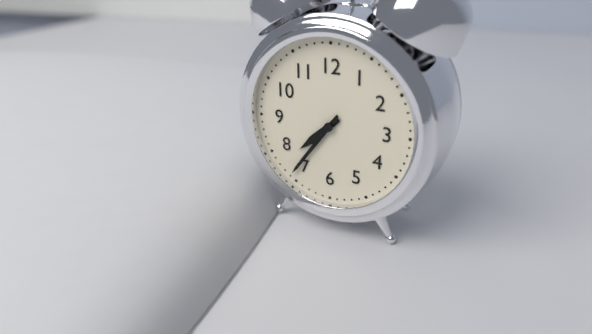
7:36
